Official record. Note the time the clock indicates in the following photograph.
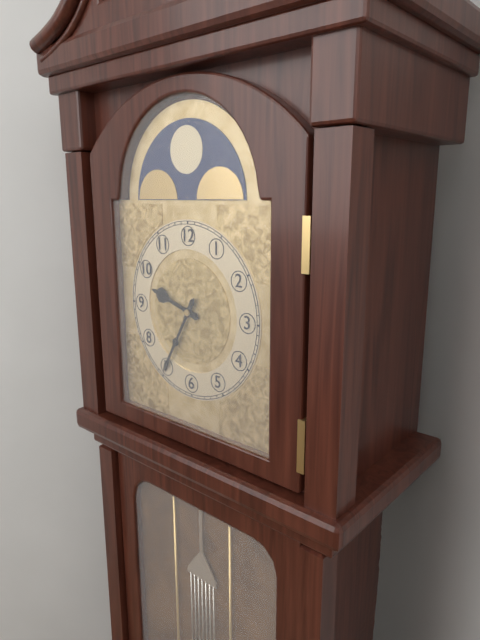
9:35
